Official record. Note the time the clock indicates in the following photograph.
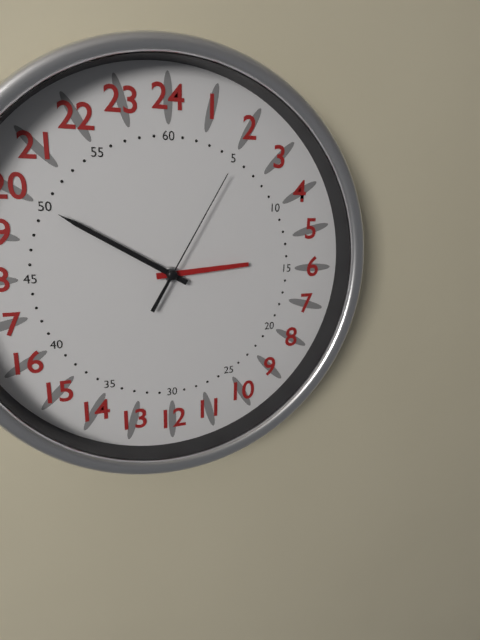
2:50:05
